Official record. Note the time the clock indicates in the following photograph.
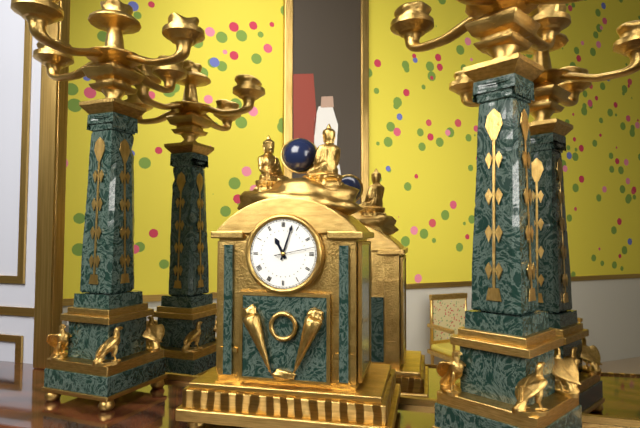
11:03
